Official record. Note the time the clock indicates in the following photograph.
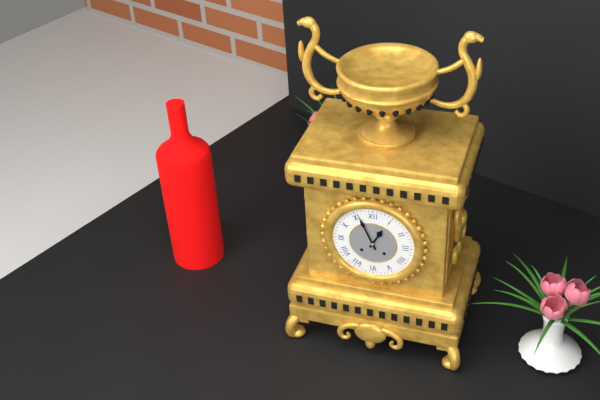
12:56
